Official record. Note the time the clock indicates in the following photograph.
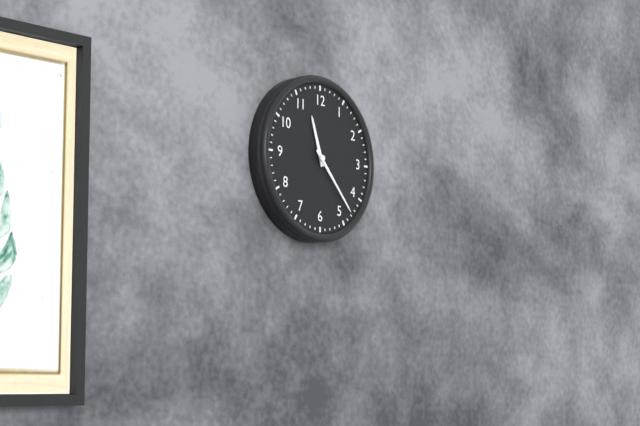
11:23
